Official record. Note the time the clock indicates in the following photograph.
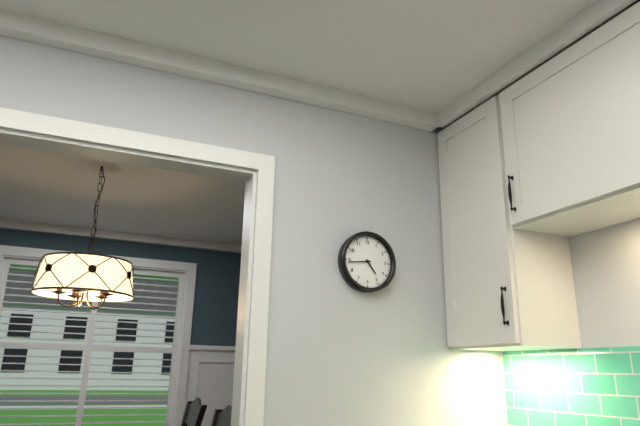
4:44
